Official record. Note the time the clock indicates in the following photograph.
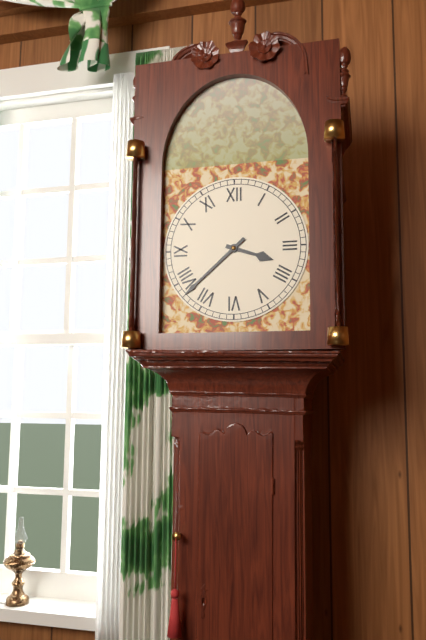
3:38
